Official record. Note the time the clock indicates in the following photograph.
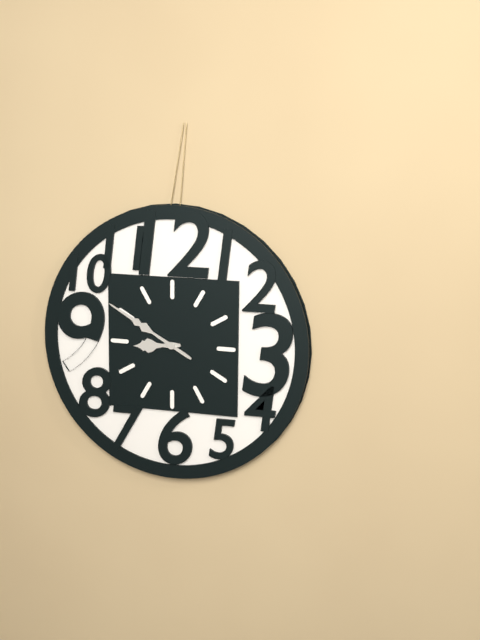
8:50
